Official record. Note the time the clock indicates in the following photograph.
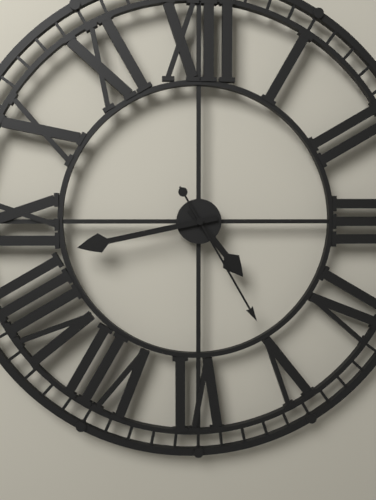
4:43:25
